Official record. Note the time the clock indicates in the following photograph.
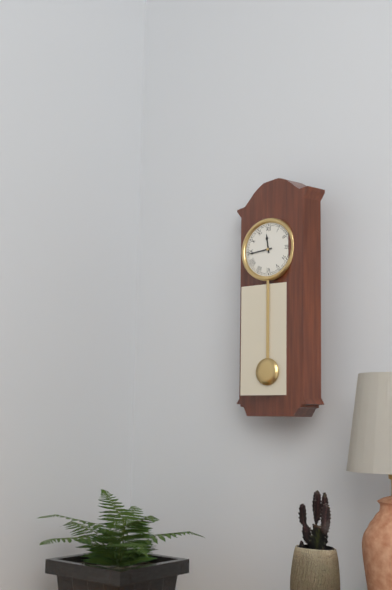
11:44
